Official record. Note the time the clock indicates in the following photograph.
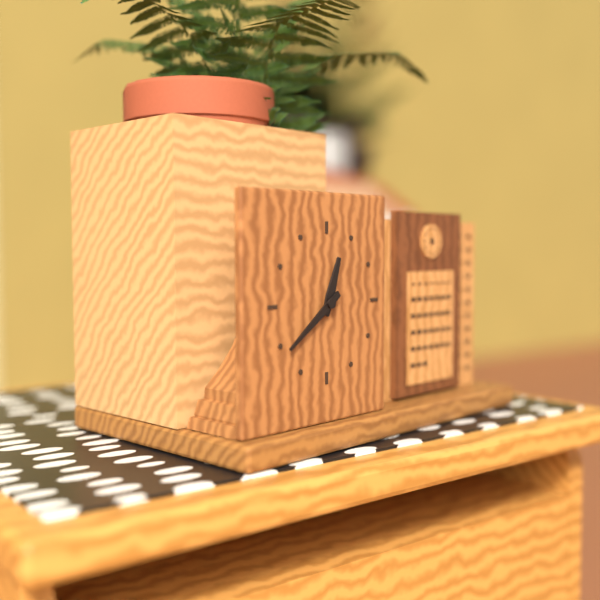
12:39
